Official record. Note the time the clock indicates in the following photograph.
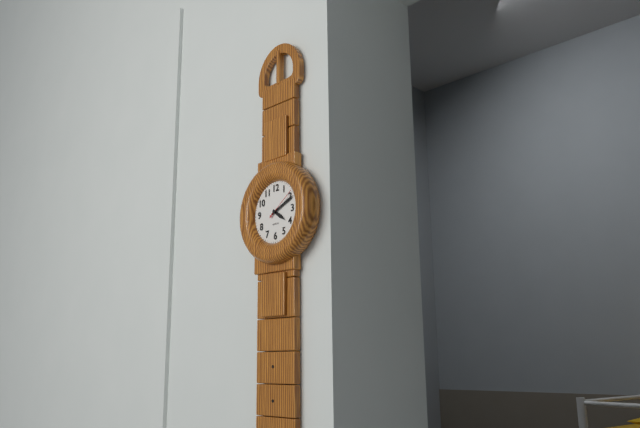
4:11
